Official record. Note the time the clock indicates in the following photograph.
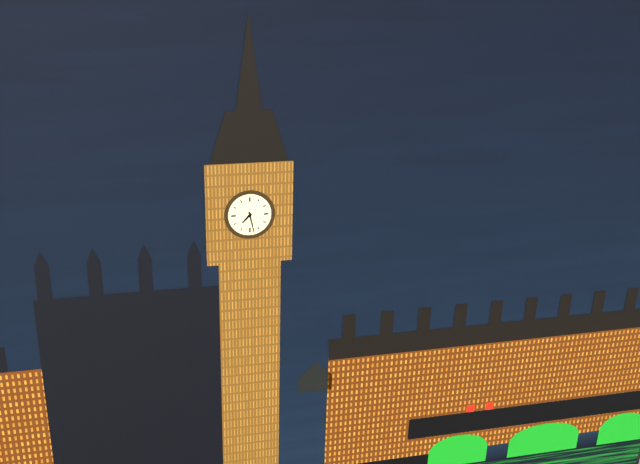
7:28
